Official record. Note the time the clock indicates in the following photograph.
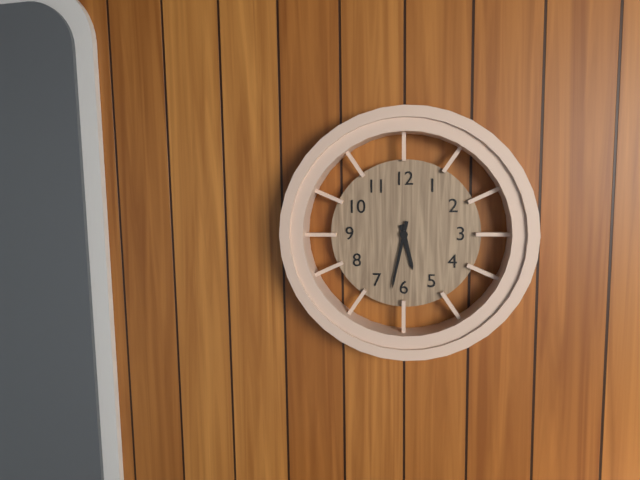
5:32
